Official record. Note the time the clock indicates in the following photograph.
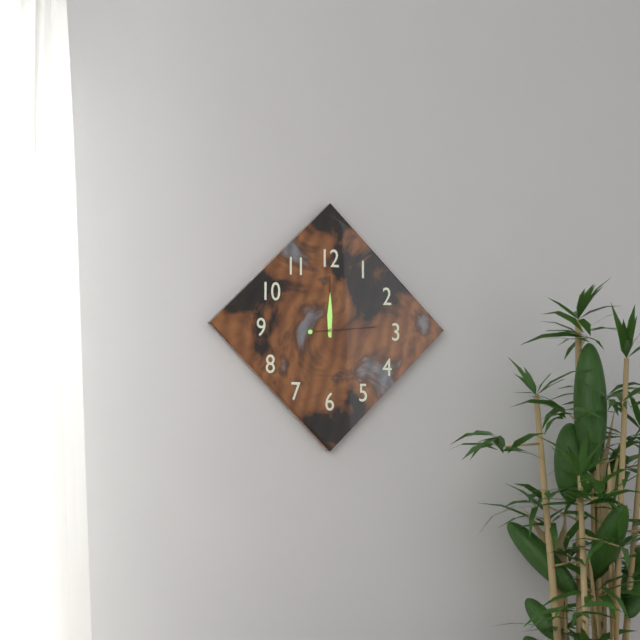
12:00:14
